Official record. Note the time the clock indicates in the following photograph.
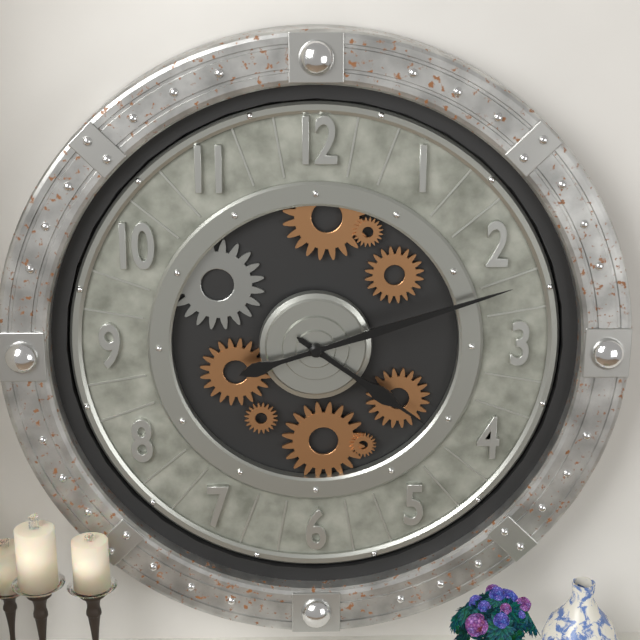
4:12
